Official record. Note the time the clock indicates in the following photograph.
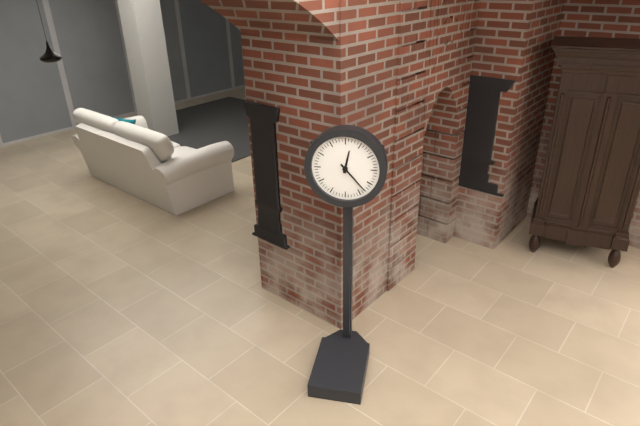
12:23
